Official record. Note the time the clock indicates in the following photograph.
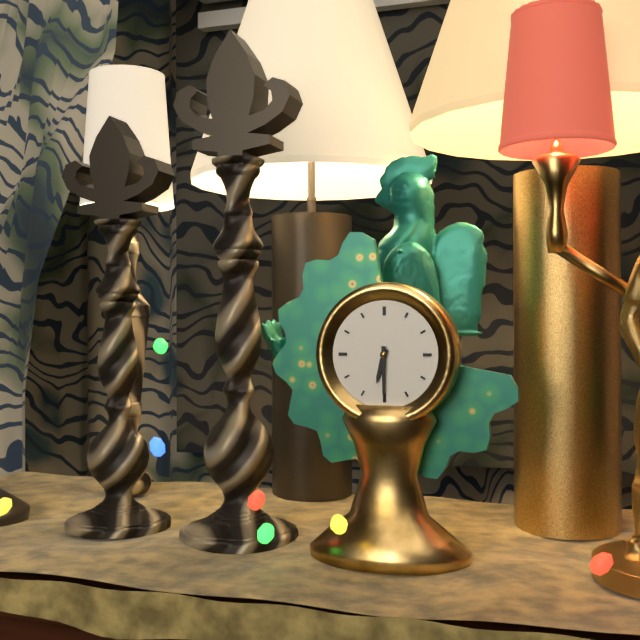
6:30
